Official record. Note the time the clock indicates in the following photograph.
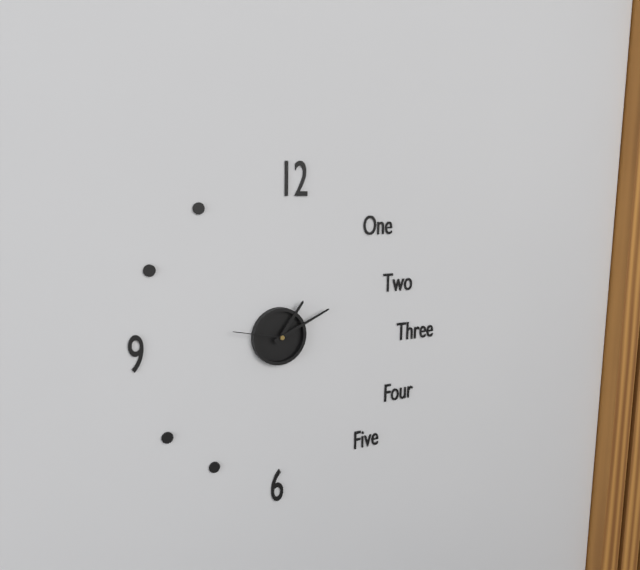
1:11:47
